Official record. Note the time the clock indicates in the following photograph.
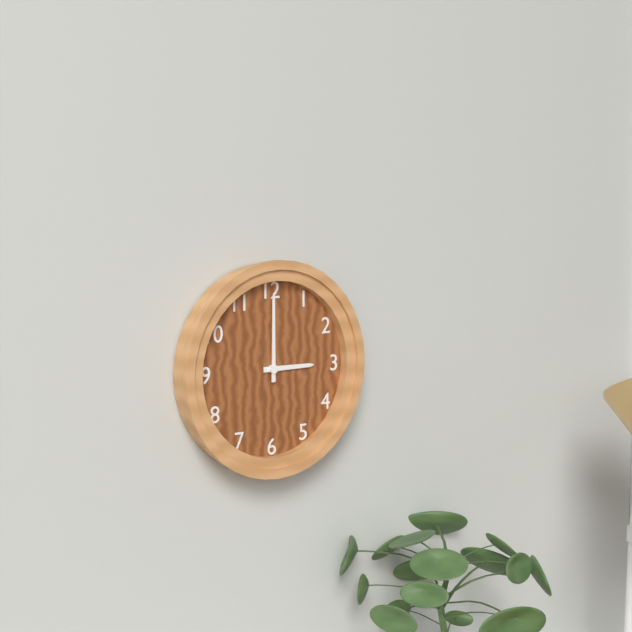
3:00
